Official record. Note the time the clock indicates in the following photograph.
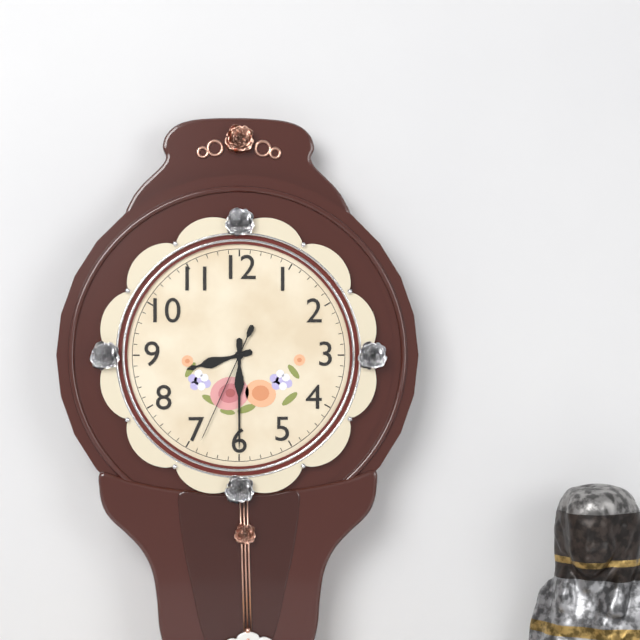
8:30:34
